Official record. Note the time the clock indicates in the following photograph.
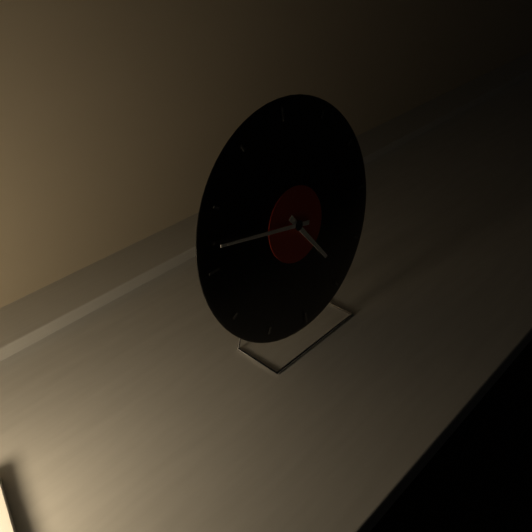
4:47
